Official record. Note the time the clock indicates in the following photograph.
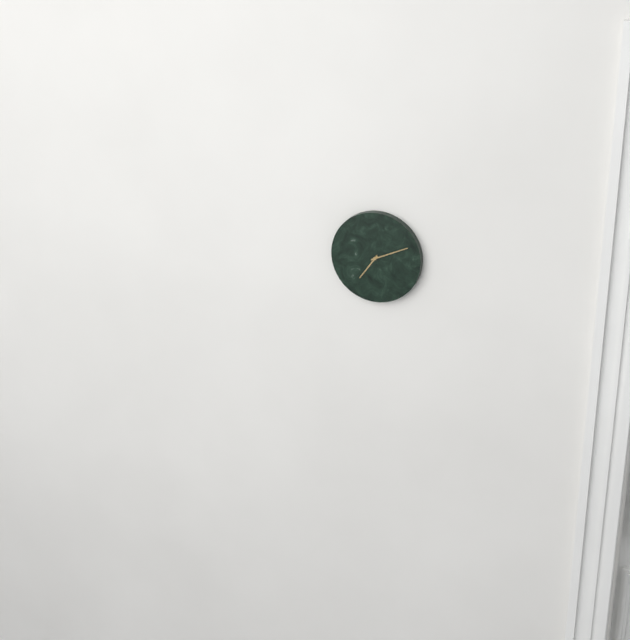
7:11
